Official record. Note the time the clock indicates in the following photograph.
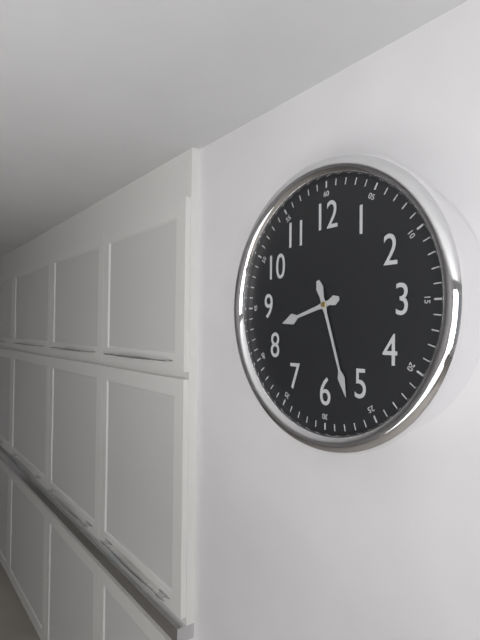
8:27
